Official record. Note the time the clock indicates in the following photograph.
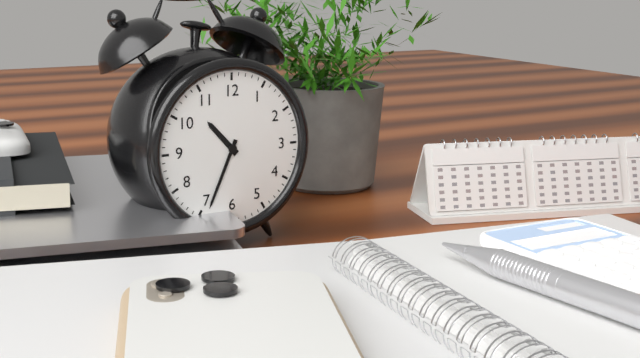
10:34
